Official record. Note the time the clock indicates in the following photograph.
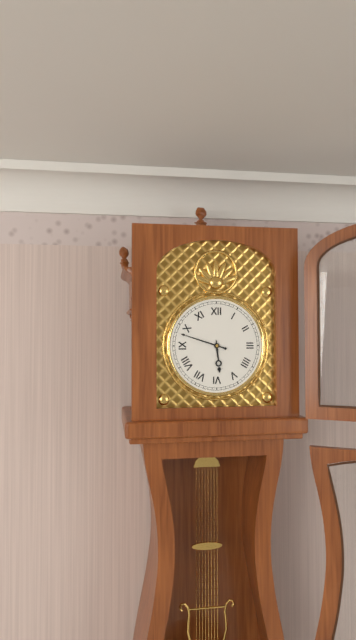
5:48
